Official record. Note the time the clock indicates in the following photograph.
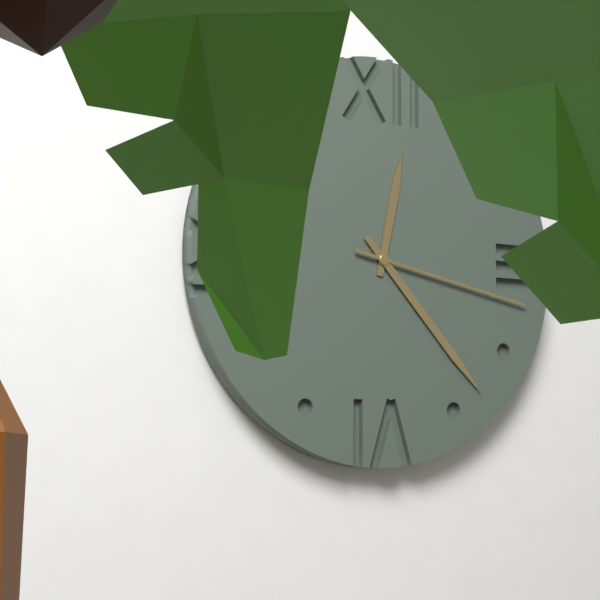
12:23:17
